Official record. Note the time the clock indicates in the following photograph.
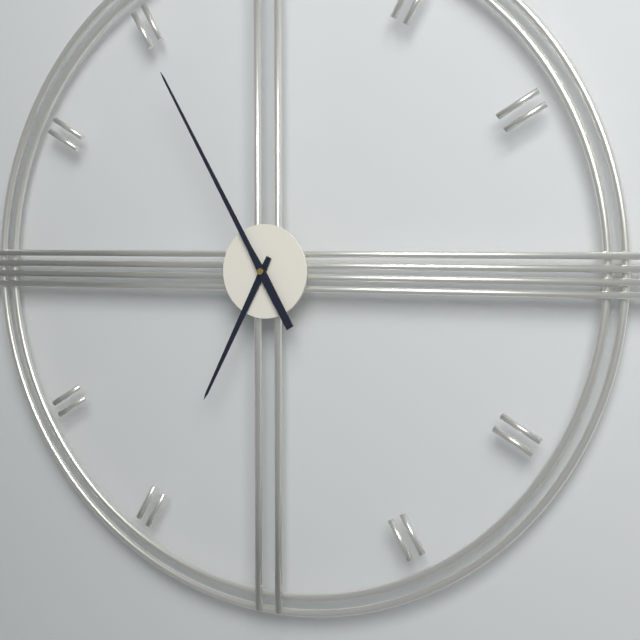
6:55
